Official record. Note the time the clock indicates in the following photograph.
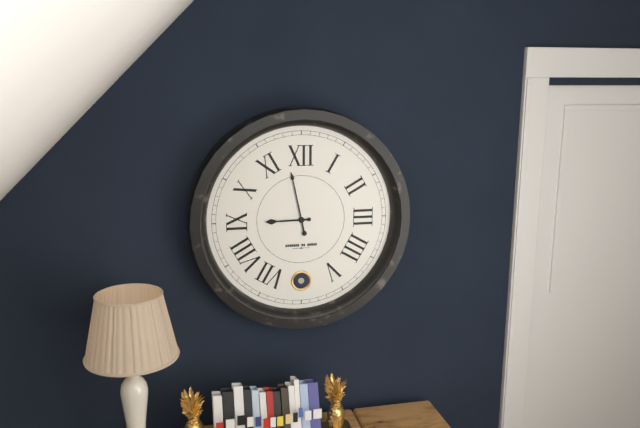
8:58
